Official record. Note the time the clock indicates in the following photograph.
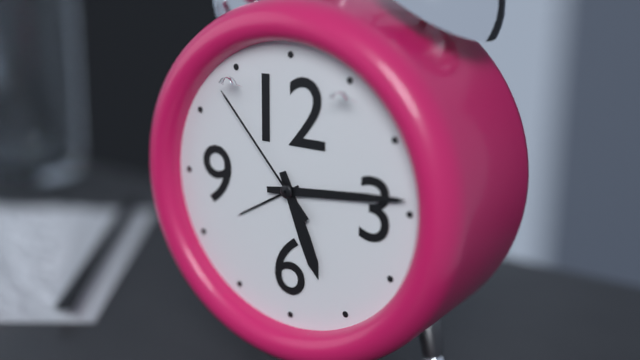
5:14:53
